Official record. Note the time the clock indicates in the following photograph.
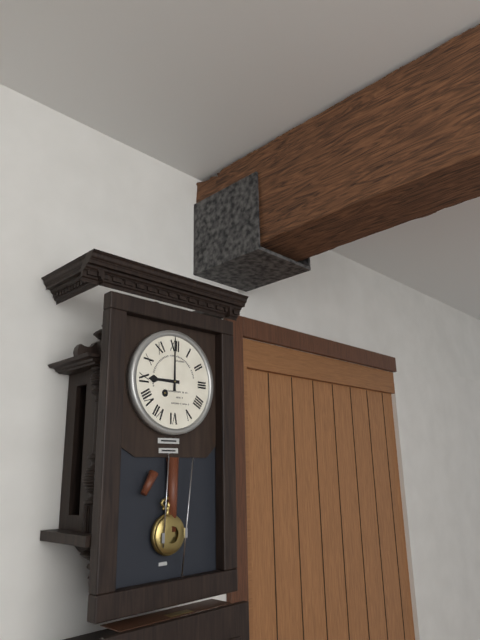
9:00
